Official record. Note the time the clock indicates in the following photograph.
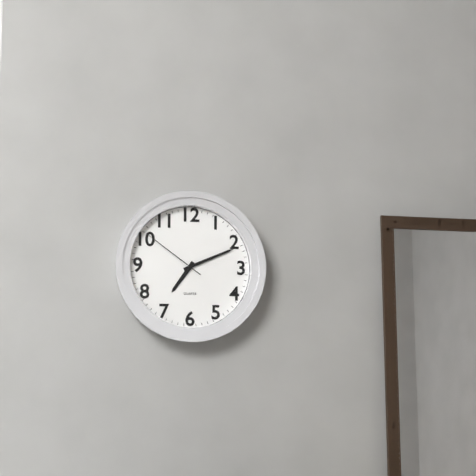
7:11:51
